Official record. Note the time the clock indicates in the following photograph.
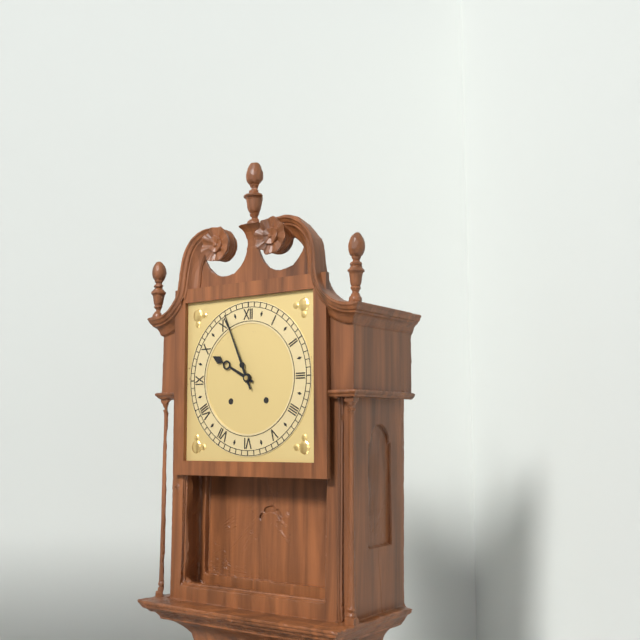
9:56
